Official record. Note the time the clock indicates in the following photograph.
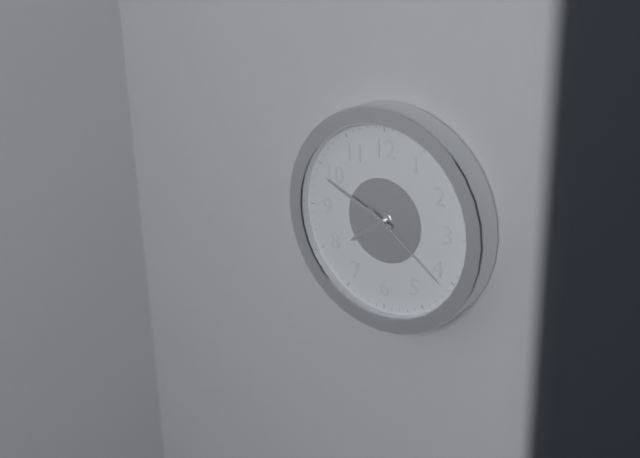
7:49:21
